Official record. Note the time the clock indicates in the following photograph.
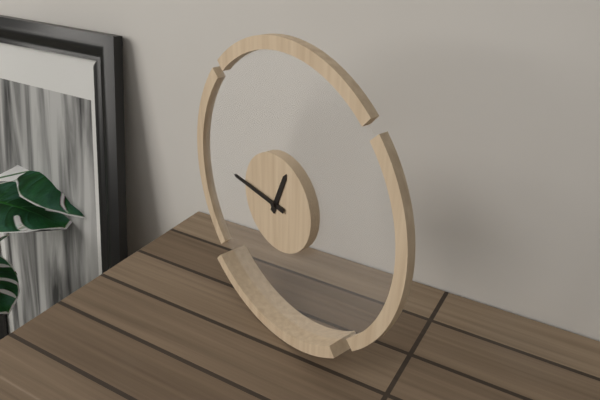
12:46
